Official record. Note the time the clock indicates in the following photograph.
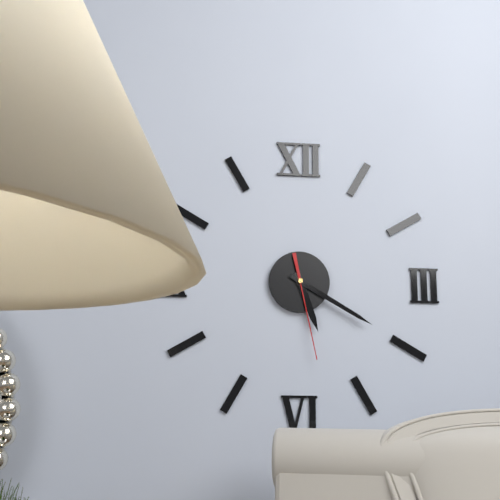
5:20:28
